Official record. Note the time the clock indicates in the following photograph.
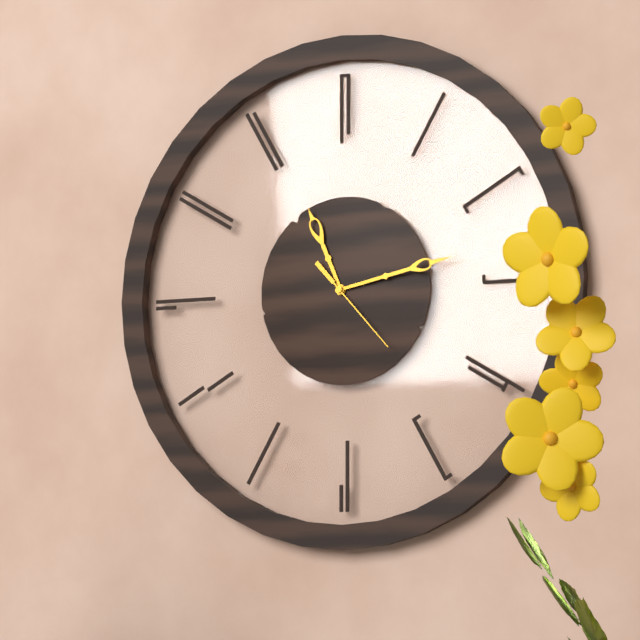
11:13:23
